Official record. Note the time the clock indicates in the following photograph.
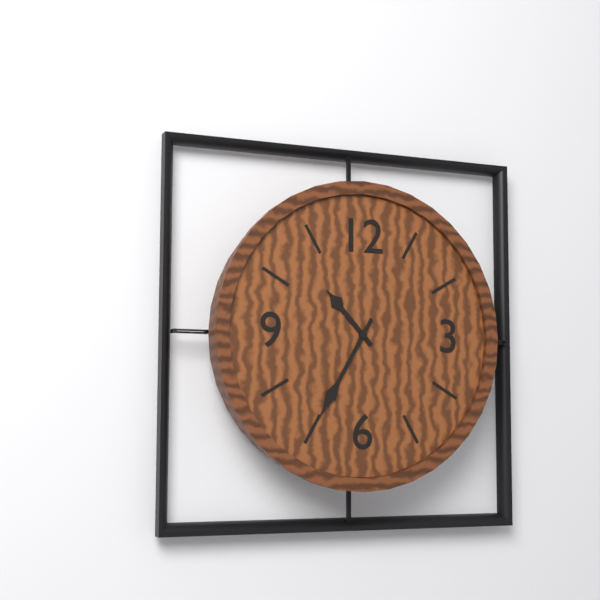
10:35
